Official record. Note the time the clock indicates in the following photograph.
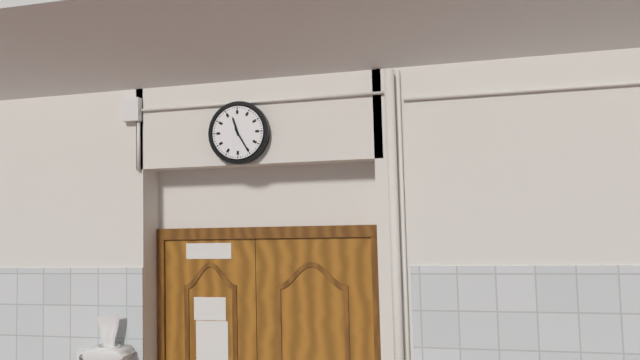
11:25
